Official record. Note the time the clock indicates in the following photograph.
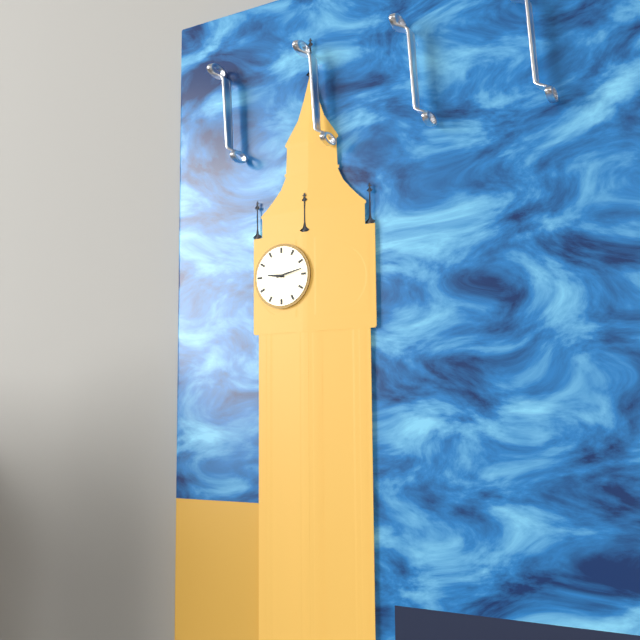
9:13
